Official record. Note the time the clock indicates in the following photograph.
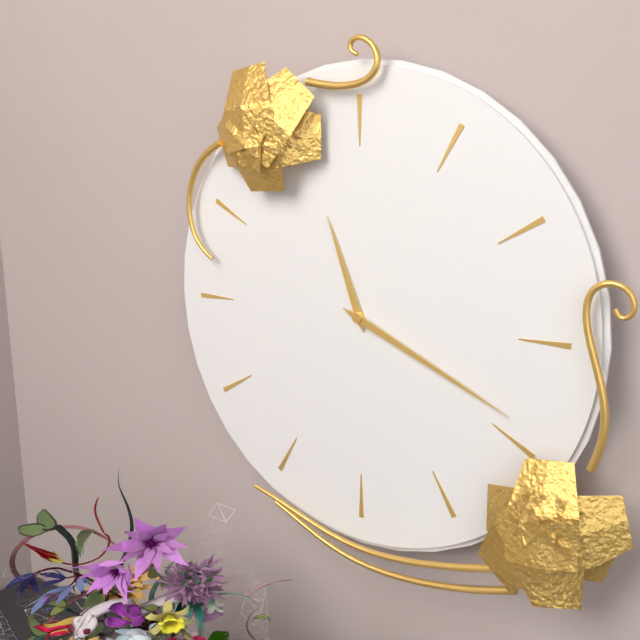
11:19
